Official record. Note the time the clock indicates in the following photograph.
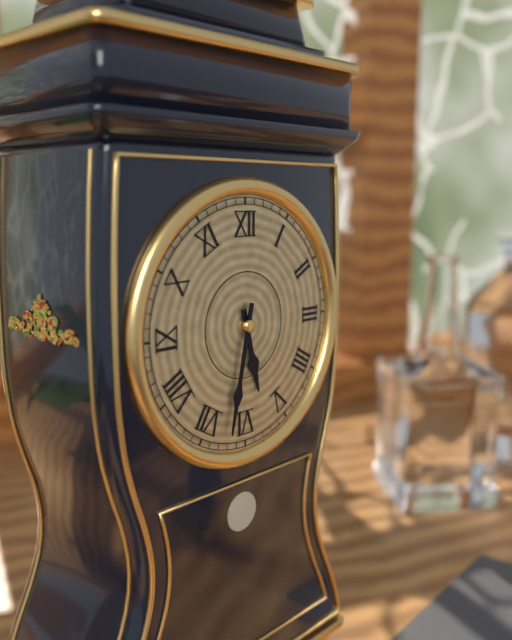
5:32
